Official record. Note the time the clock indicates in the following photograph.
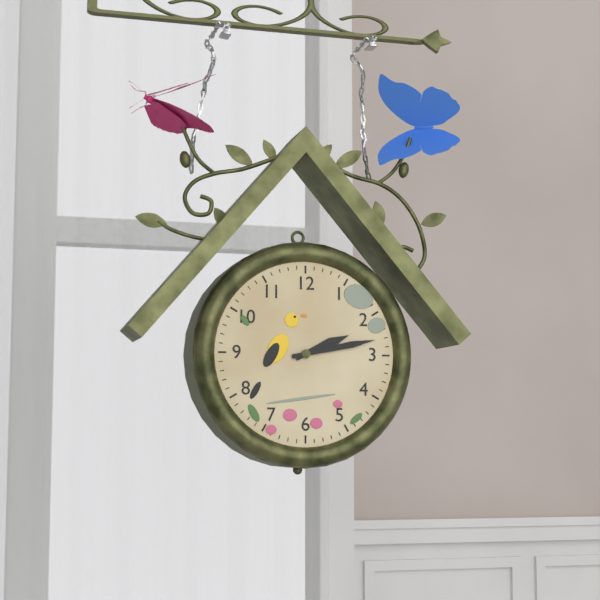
2:13
